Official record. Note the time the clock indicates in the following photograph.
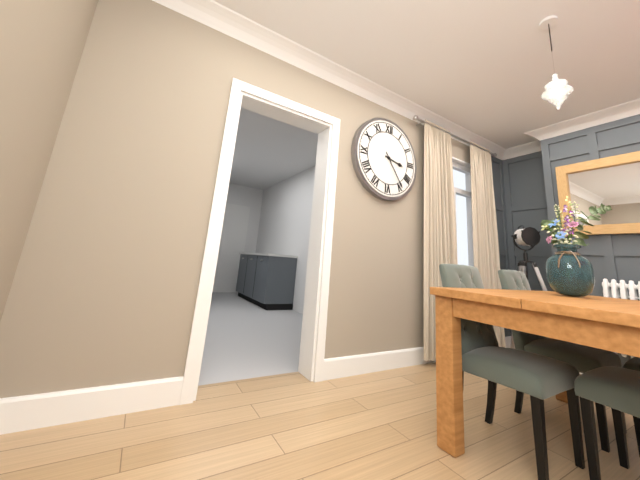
3:24
